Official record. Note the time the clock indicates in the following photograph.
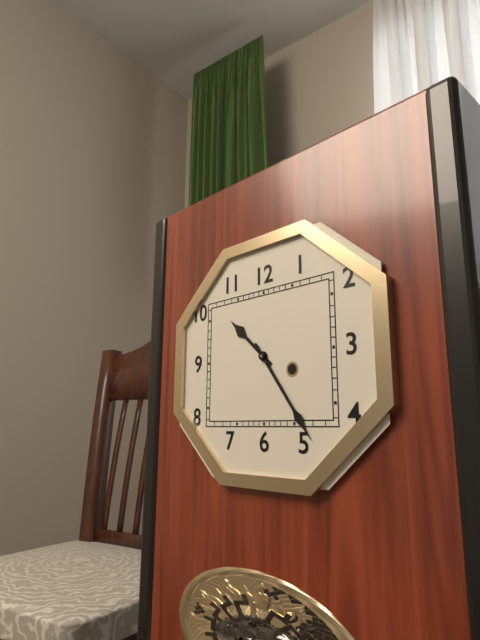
10:24
